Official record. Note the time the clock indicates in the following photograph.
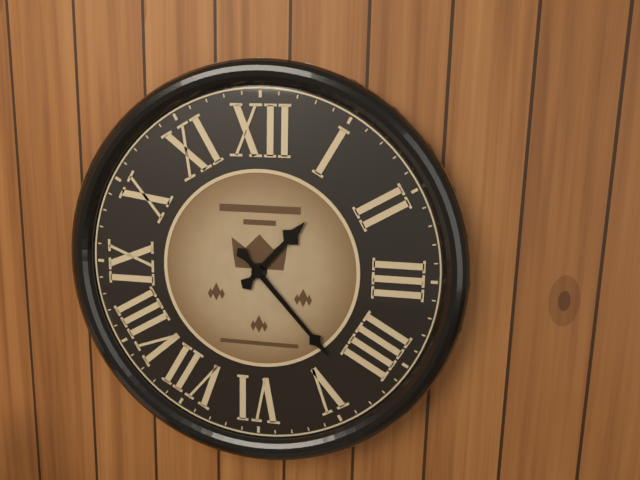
1:23
